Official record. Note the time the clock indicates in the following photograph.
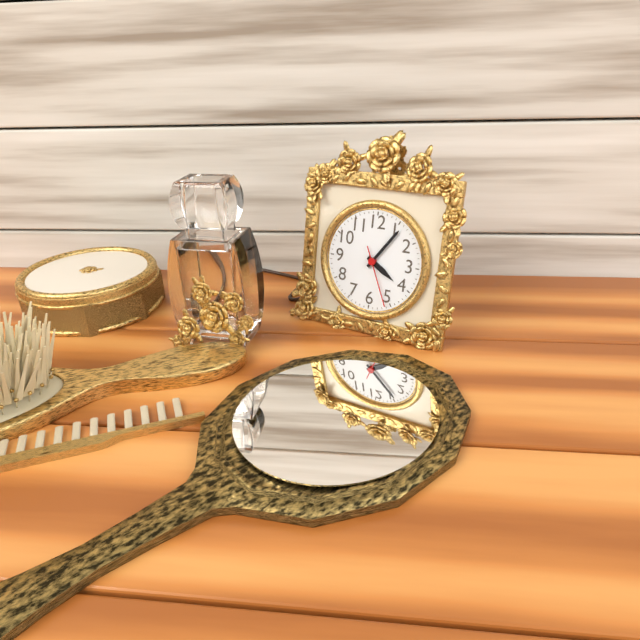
4:06:26
